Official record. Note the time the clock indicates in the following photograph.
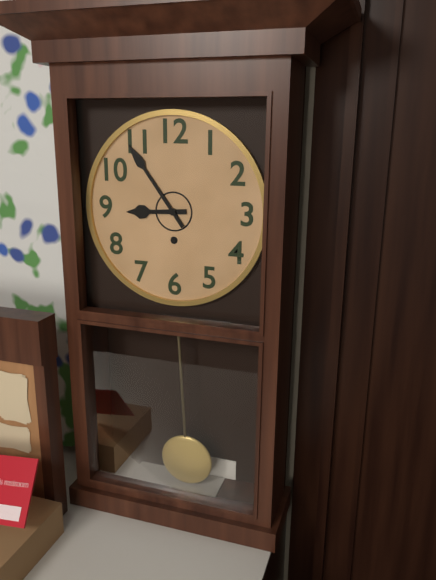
8:54
